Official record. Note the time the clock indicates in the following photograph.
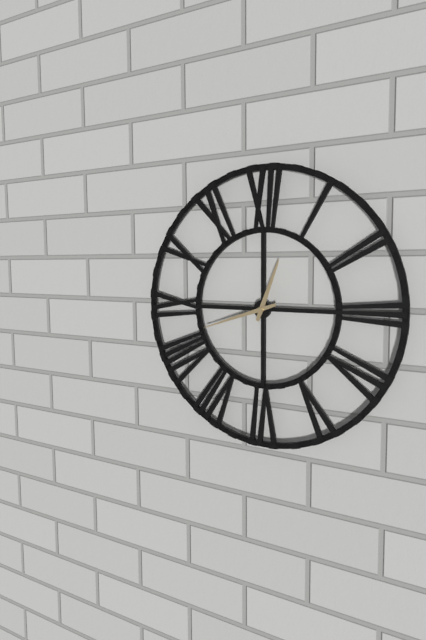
12:42
